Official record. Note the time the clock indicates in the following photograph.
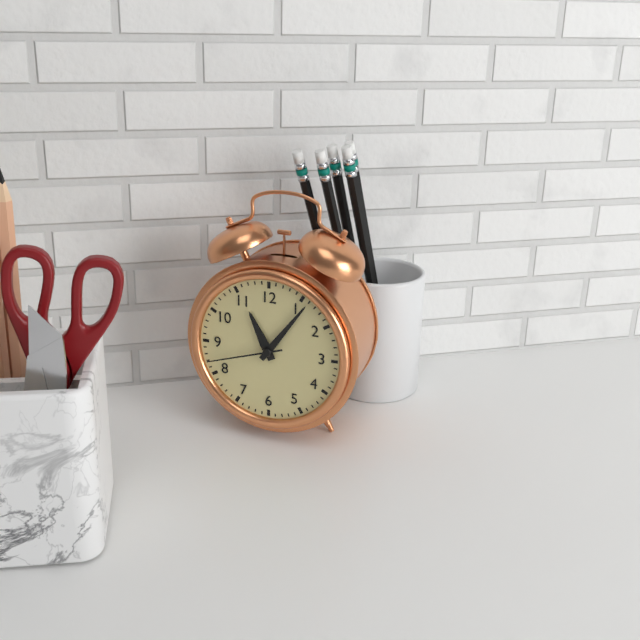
11:06:42
